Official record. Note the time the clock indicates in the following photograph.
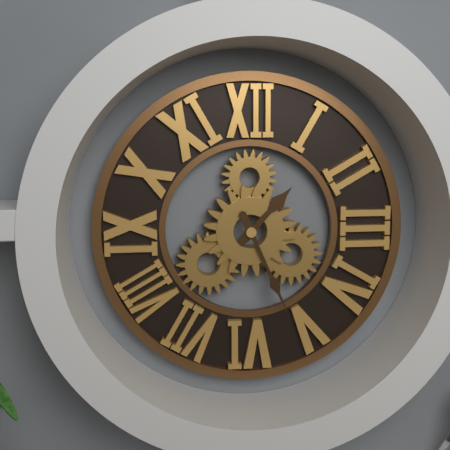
1:26
